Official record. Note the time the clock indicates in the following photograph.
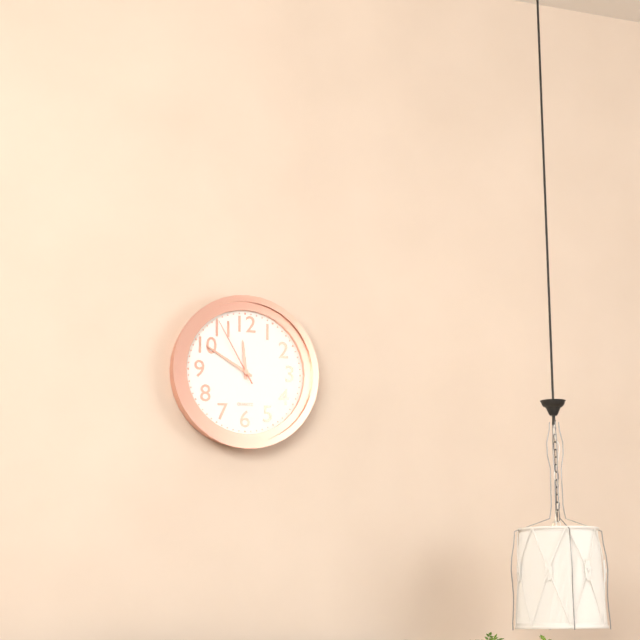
11:50:55
